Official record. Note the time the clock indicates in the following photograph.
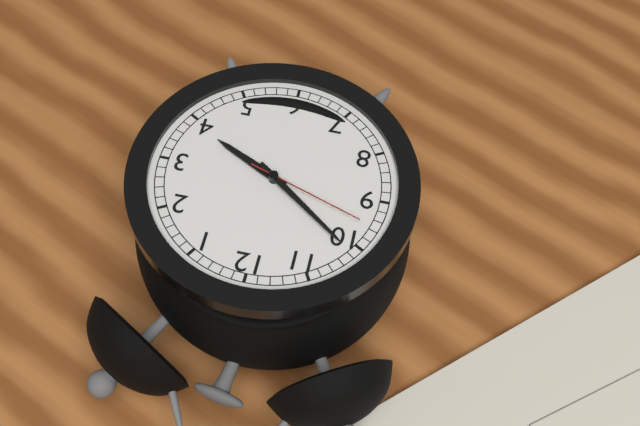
3:51:48
